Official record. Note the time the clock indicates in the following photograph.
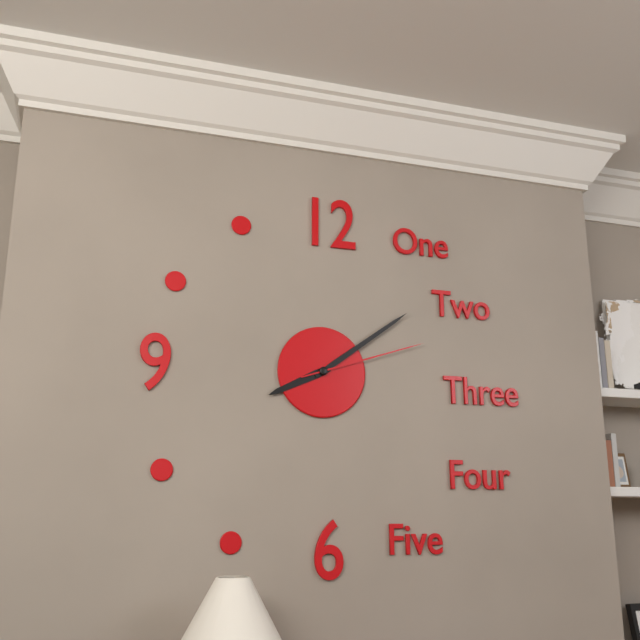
8:09:12
